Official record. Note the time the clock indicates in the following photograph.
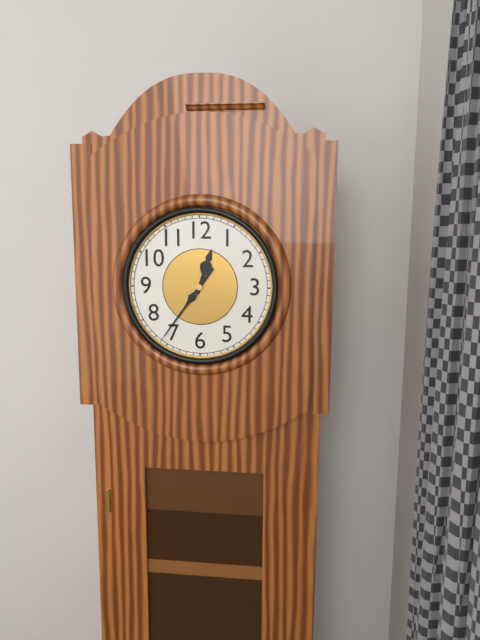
12:36
